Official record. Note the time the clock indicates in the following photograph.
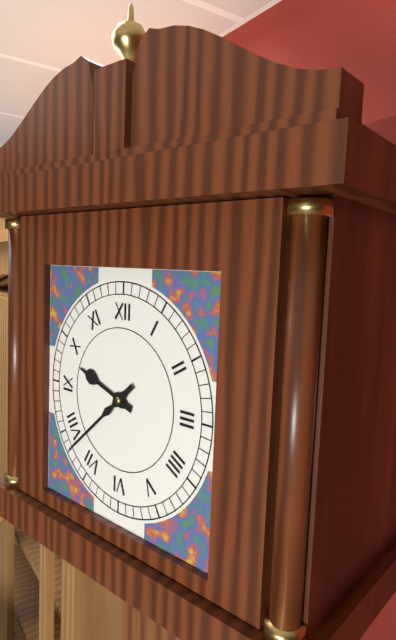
9:38
